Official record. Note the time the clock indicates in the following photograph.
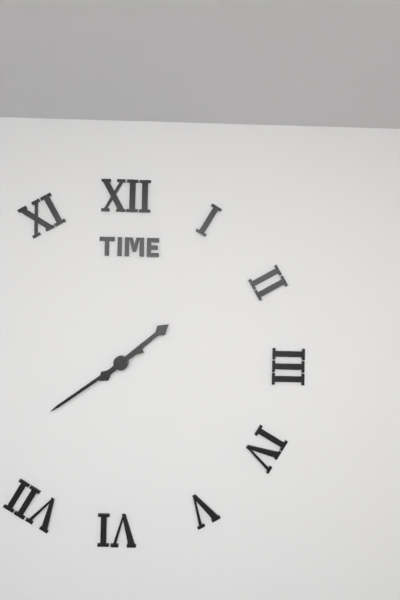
1:39
